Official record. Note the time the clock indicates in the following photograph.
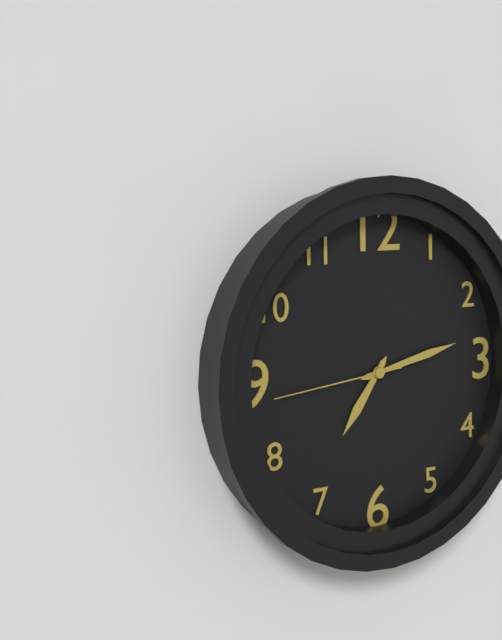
7:13:44
